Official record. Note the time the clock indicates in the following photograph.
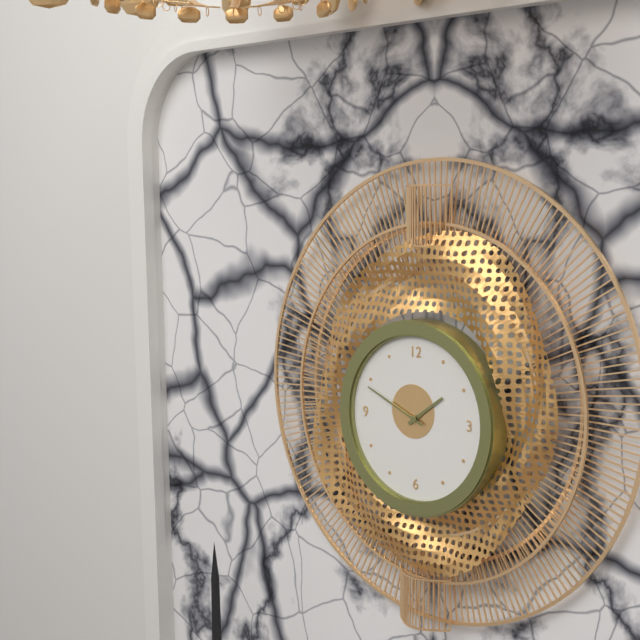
1:49
